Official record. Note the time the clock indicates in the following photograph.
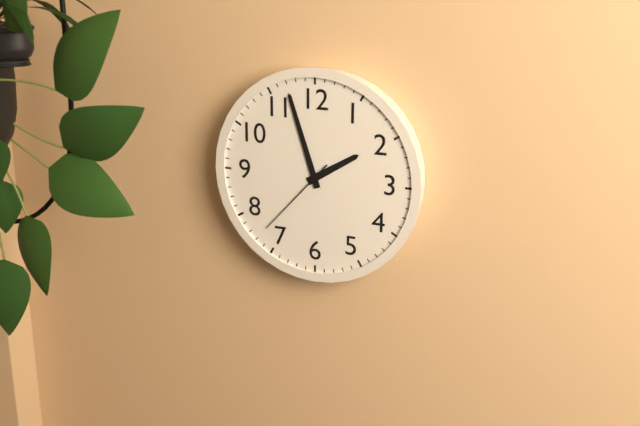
1:57:37
